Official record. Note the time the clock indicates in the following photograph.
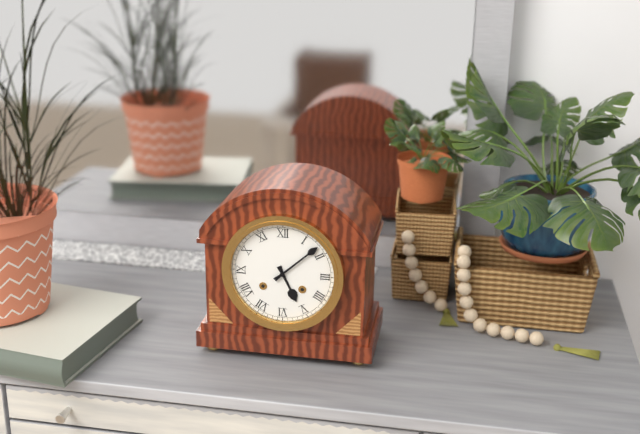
5:08
